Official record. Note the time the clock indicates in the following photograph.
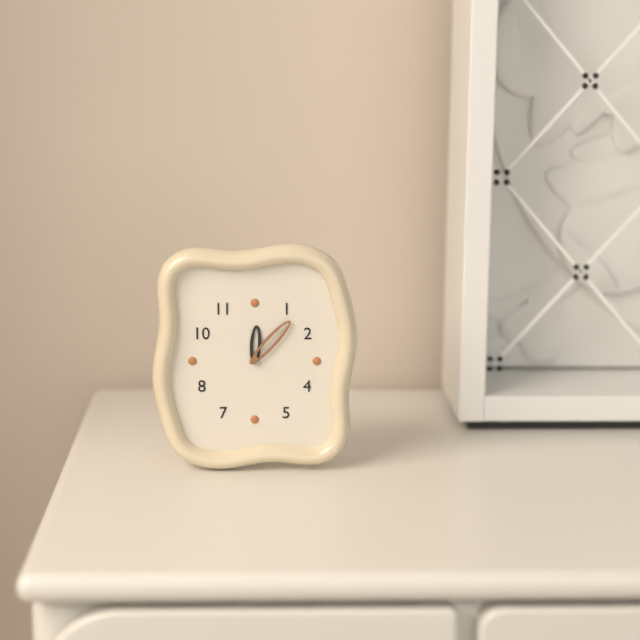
12:07
